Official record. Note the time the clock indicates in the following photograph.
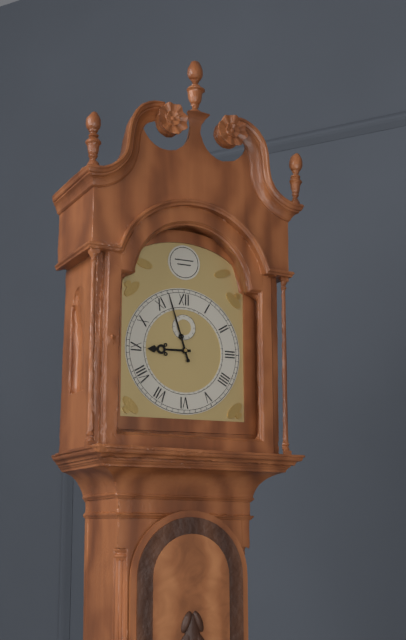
8:57
